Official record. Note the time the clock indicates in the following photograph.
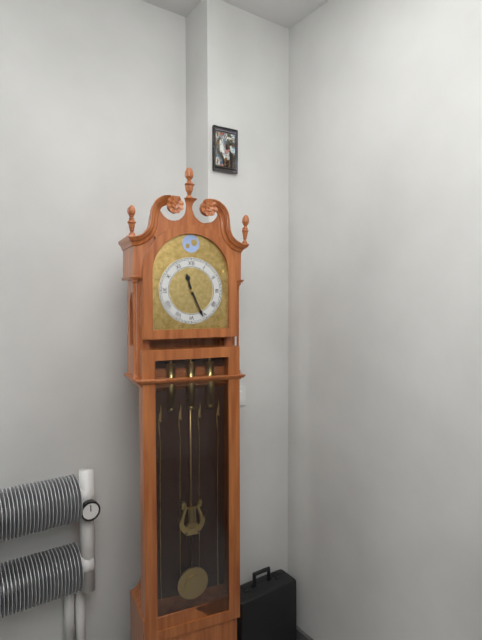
11:26
